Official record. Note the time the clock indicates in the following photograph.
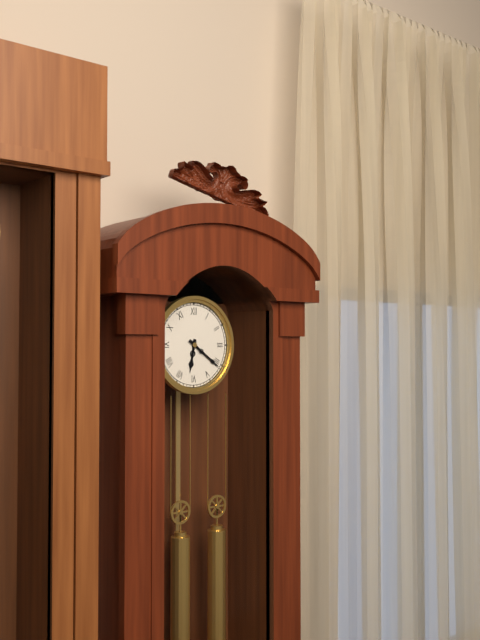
6:21
